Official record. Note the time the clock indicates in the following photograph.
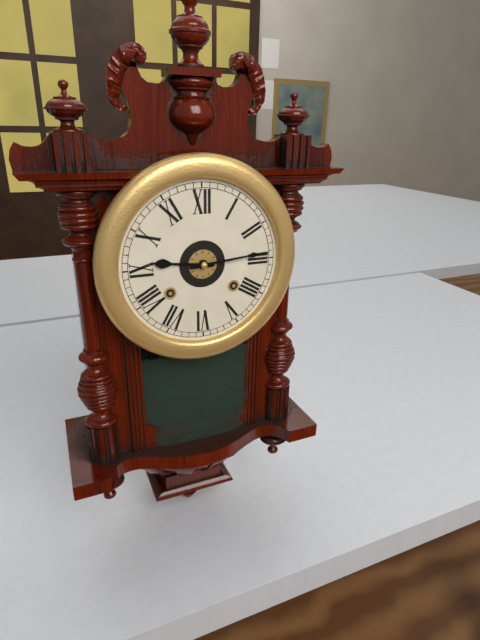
9:14
